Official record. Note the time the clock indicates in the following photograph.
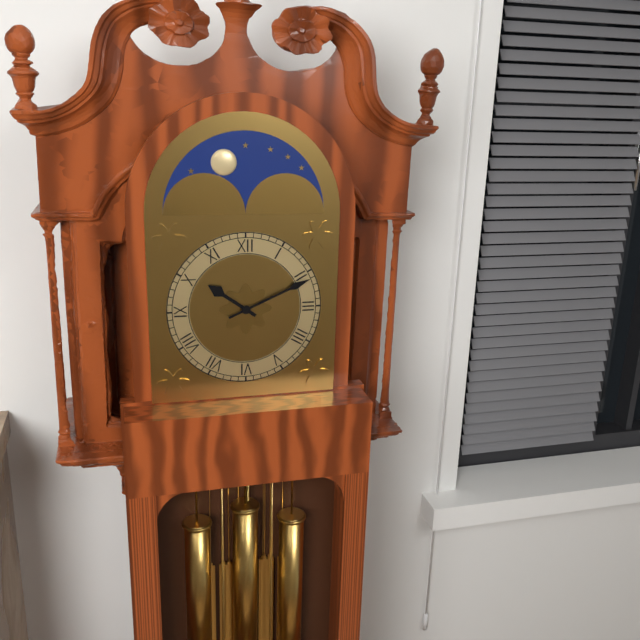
10:11
